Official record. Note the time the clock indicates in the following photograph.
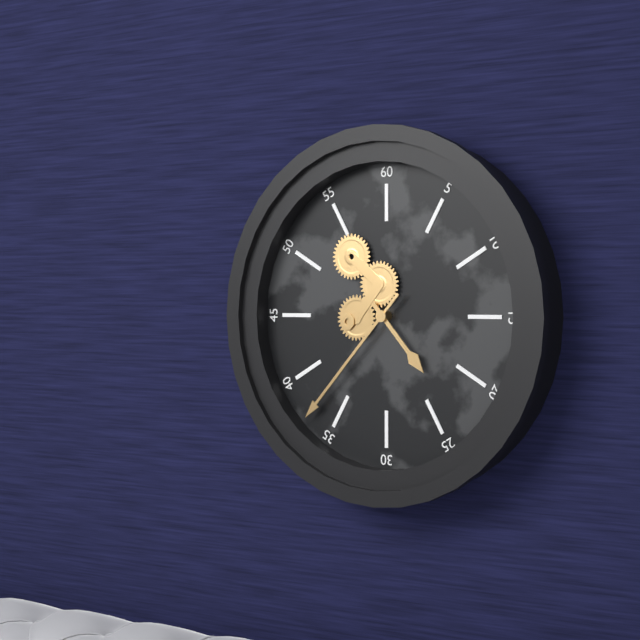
4:37
